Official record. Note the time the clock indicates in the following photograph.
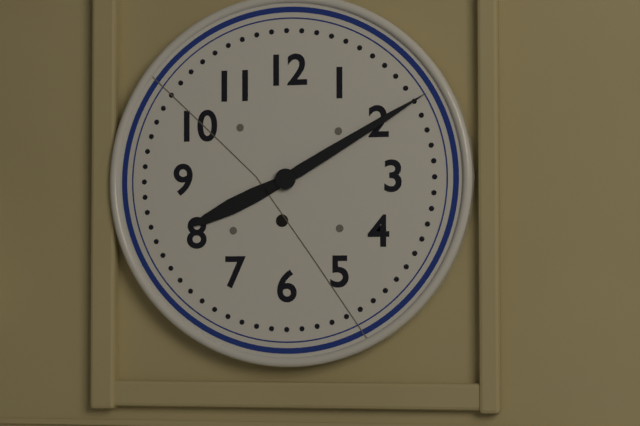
8:10
